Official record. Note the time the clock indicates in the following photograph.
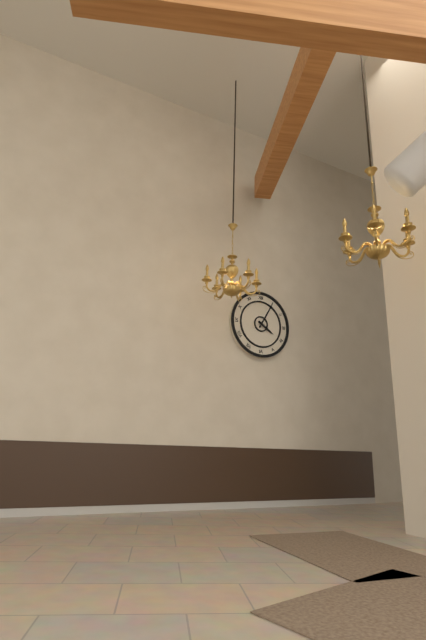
4:05
